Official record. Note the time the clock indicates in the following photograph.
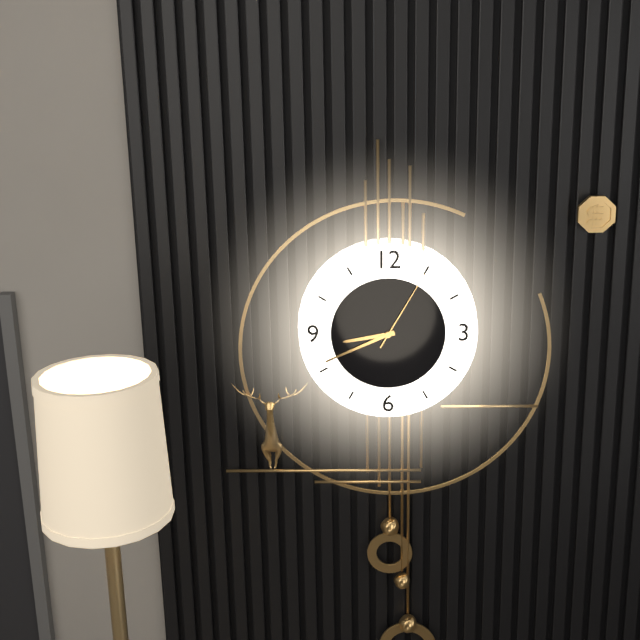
8:41:05
